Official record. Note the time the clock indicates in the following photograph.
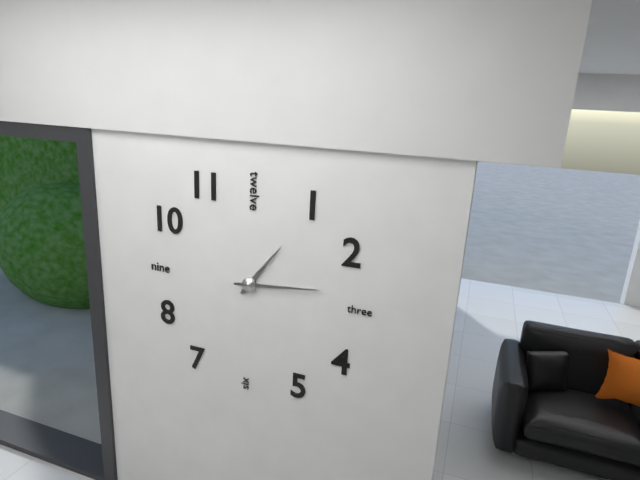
1:14
